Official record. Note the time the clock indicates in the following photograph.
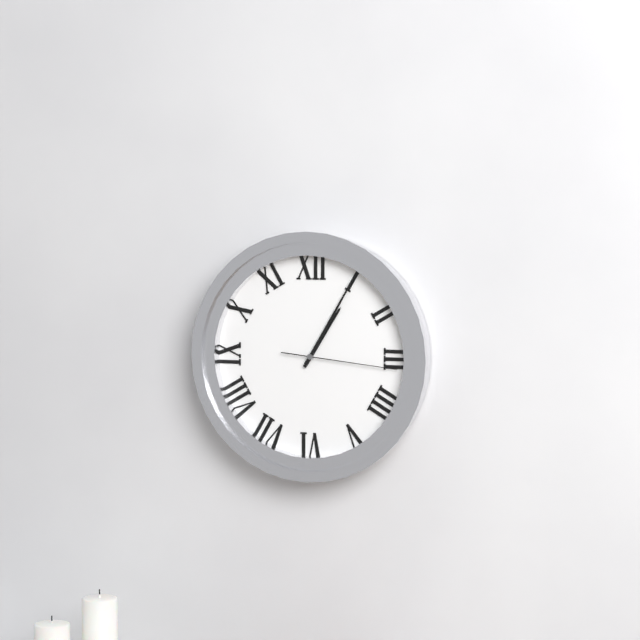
1:05:16
